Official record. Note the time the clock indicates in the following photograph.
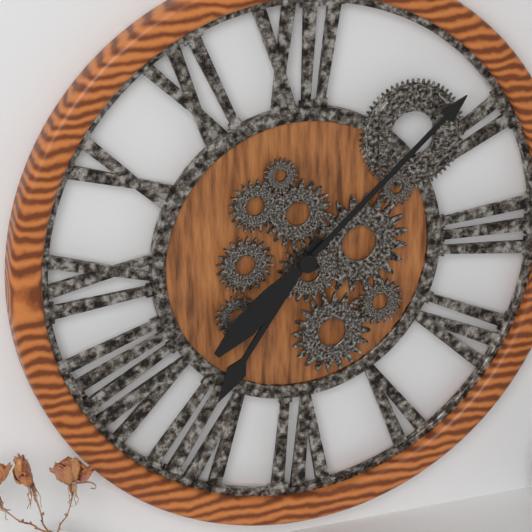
7:08
